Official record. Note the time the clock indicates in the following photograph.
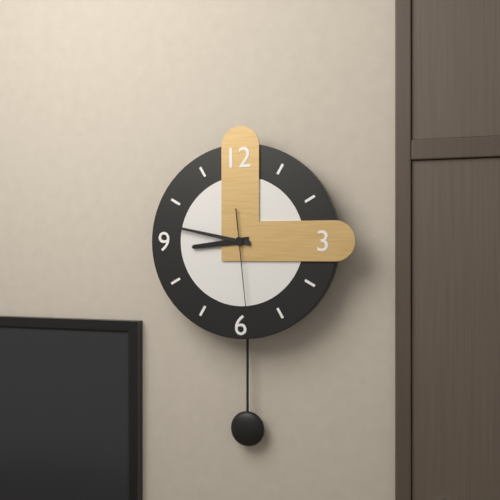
8:47:29
